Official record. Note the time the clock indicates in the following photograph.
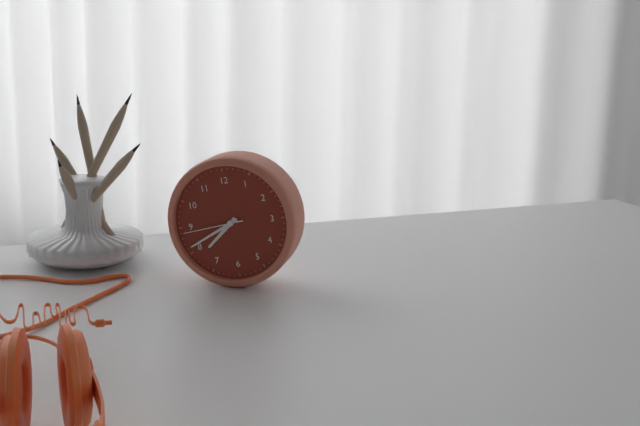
7:41:44
